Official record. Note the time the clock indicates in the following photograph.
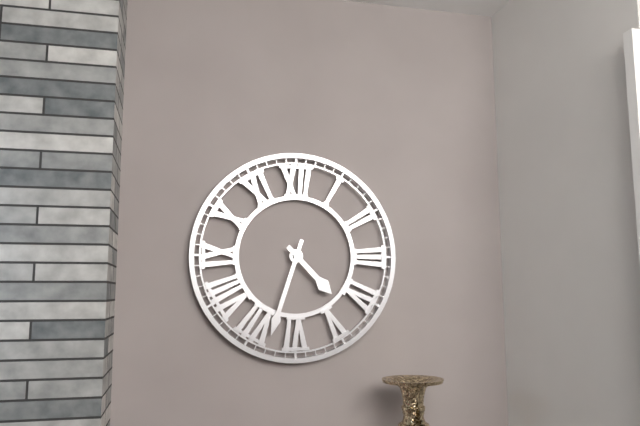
4:33
